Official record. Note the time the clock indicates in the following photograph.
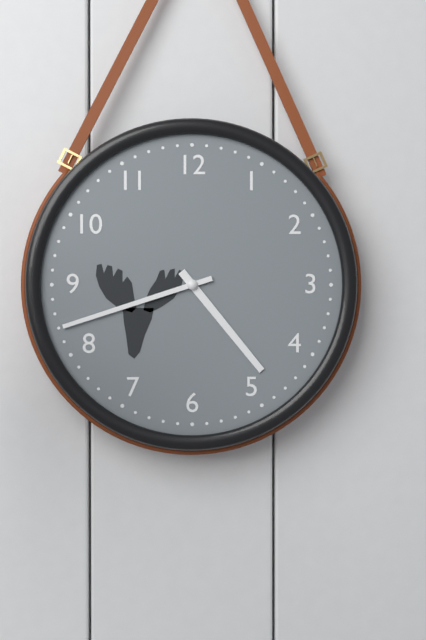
4:42
